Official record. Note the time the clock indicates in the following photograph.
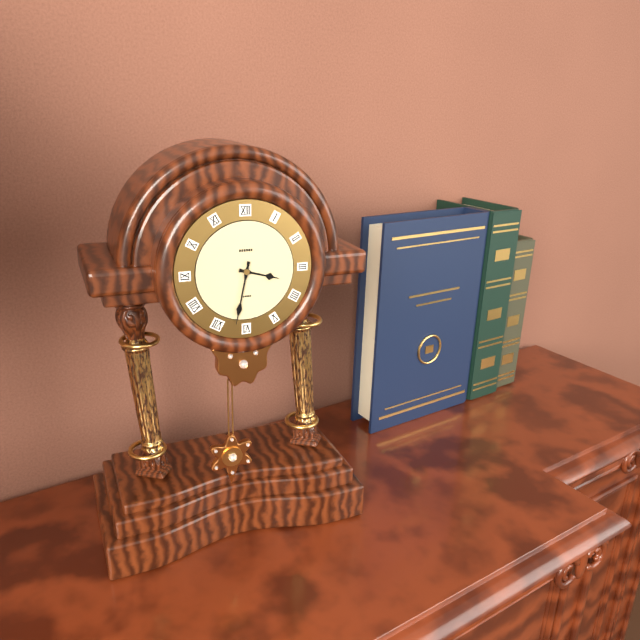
3:32
